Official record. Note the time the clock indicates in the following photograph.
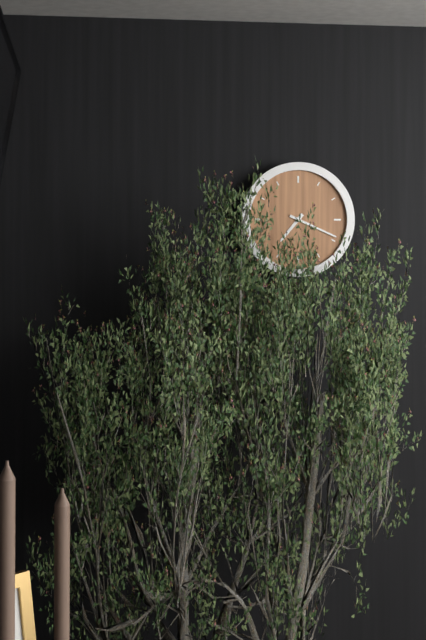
7:19
